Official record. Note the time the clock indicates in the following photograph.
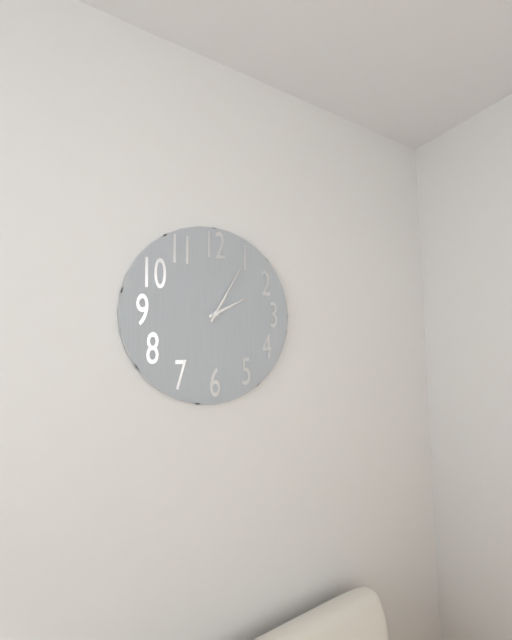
2:05
